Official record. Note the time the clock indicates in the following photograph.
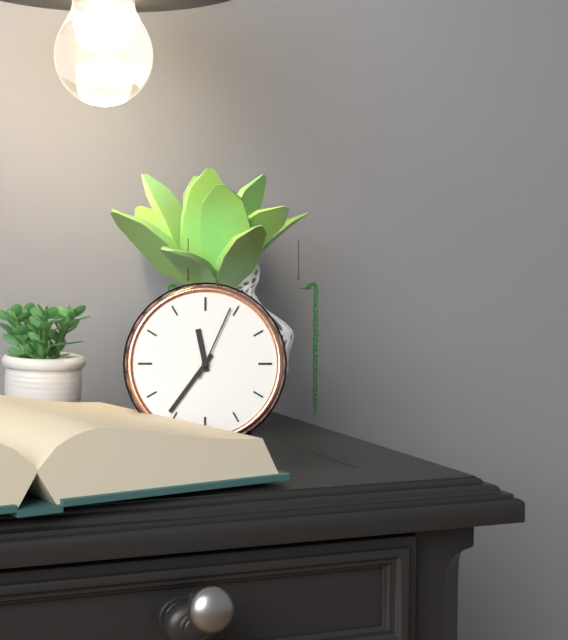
11:36:04
